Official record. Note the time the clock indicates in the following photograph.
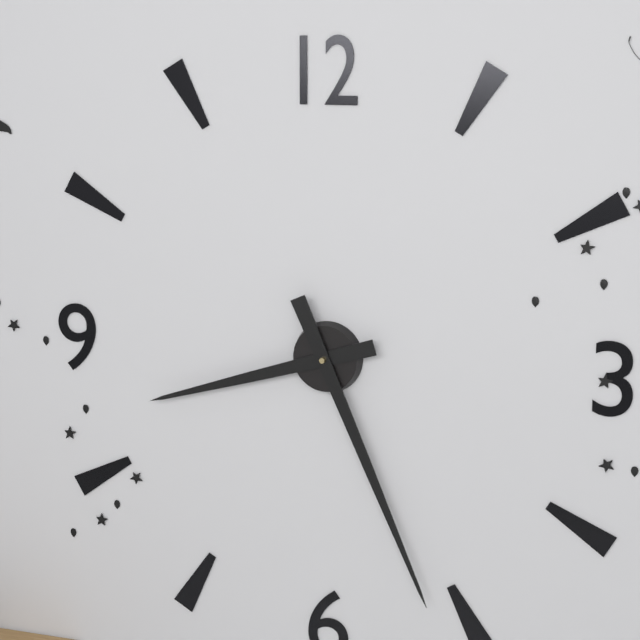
8:26
